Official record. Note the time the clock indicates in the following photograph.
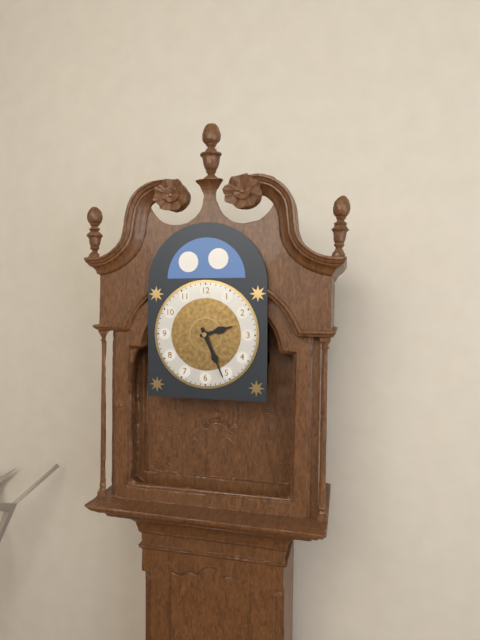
2:26
